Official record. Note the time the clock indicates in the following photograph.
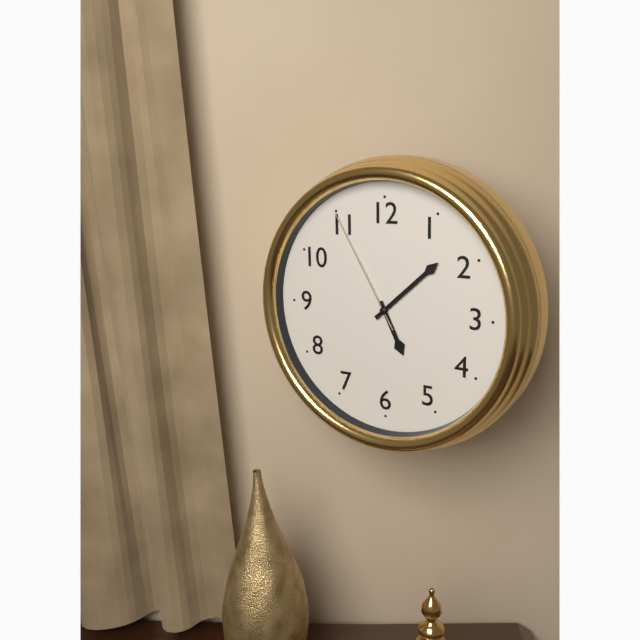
5:08:55
